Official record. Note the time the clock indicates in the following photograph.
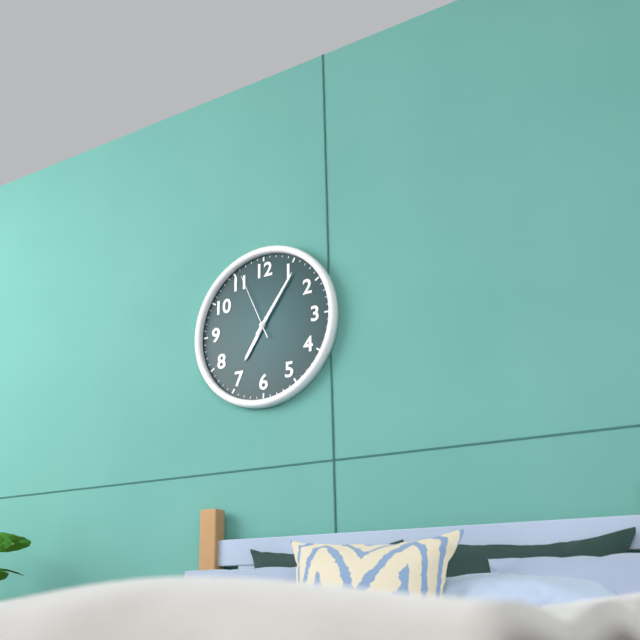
7:06:56
